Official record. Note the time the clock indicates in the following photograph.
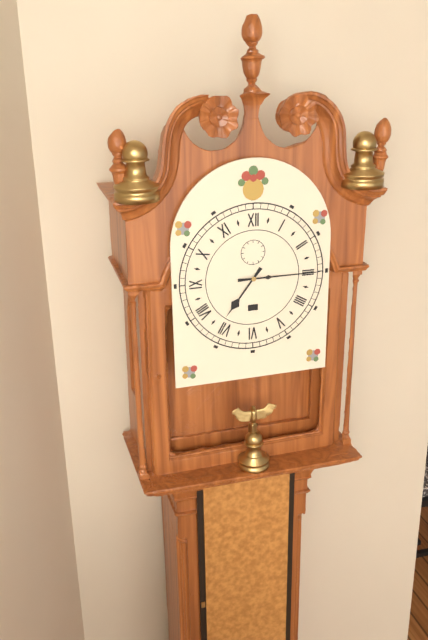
7:15
